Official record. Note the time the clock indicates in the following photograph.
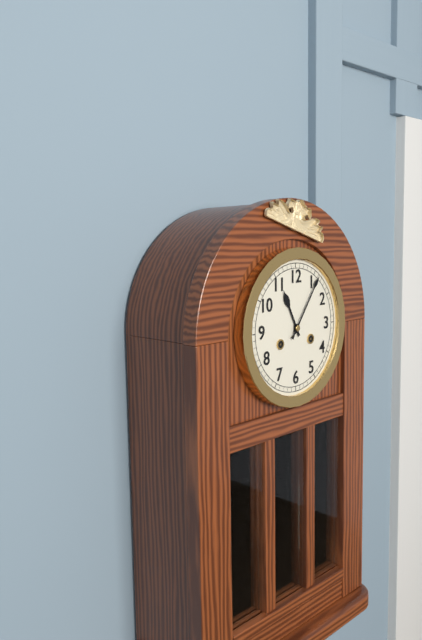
11:06
